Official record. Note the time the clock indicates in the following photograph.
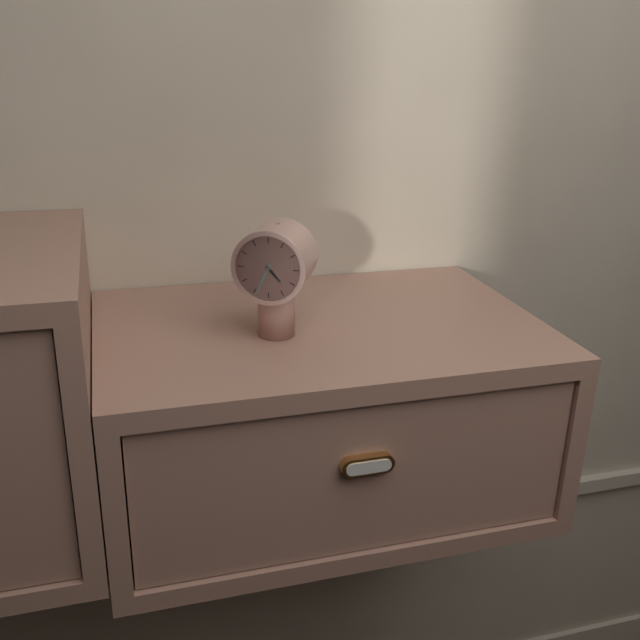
4:34
